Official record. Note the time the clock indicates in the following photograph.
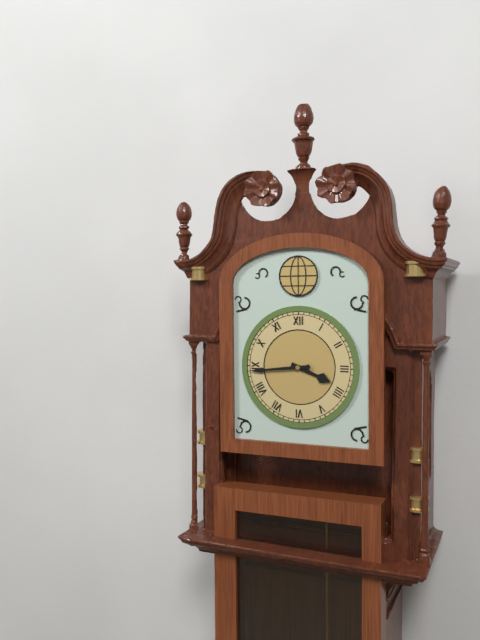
3:44
